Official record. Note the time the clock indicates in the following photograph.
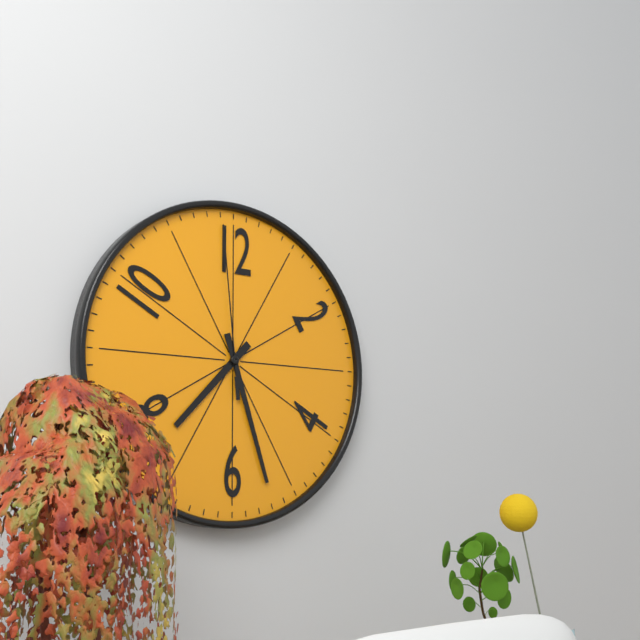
7:27:59
